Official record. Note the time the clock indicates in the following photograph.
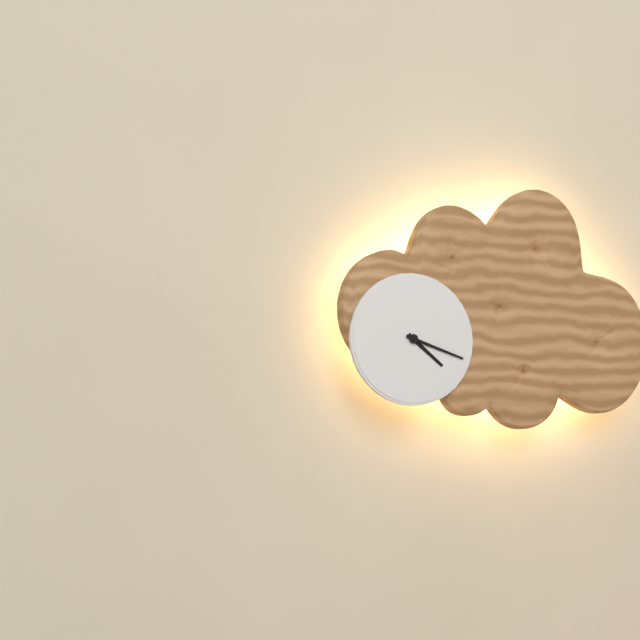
4:18
